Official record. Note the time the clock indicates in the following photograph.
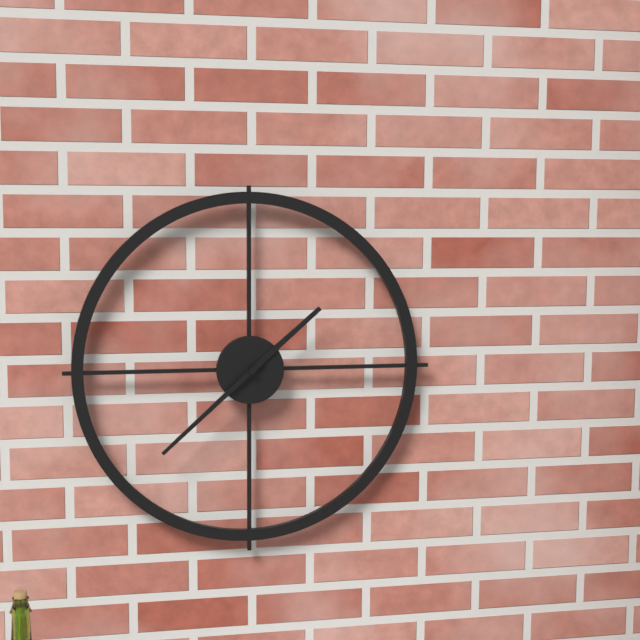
1:38
